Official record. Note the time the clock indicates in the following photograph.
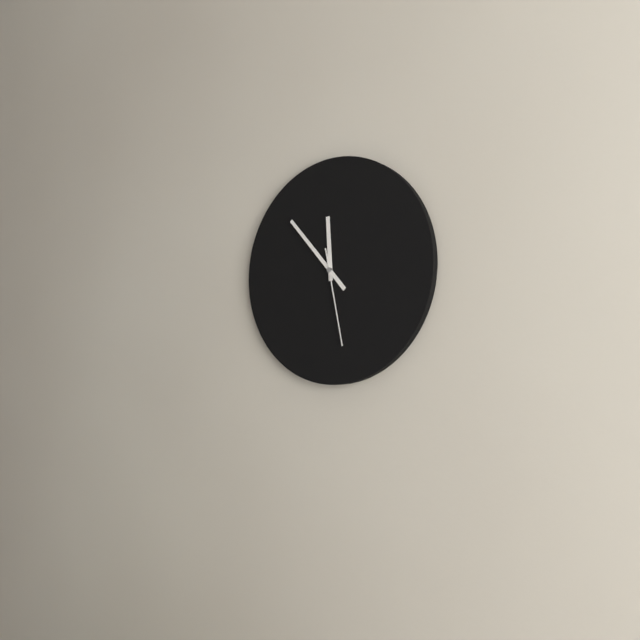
11:53:28
